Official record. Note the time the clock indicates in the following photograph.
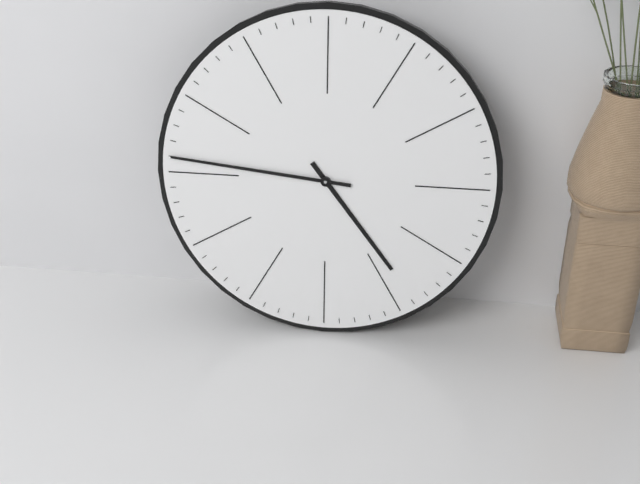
4:46
